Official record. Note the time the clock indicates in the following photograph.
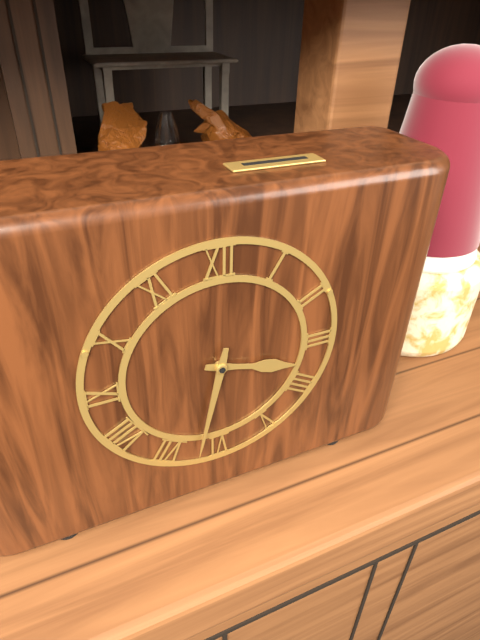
3:32
